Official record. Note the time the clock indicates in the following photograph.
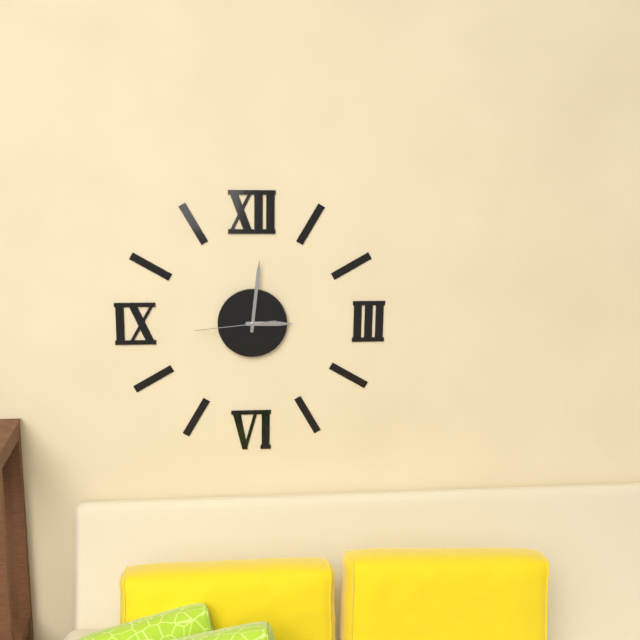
3:01:44
